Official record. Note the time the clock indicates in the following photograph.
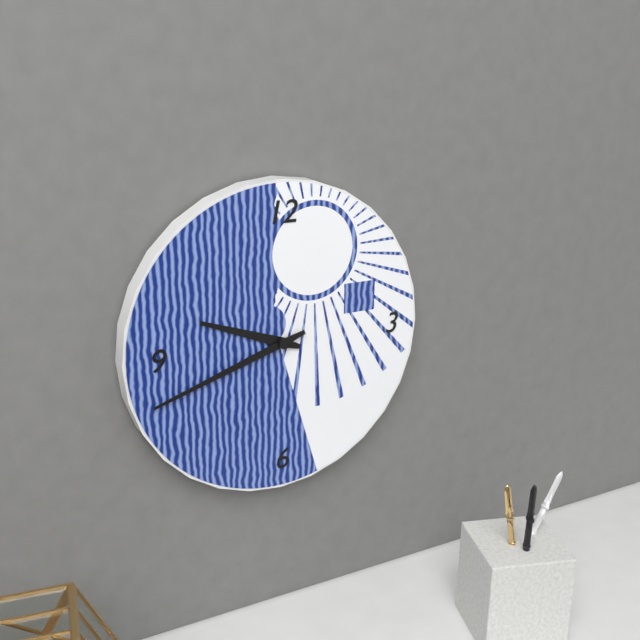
9:42
